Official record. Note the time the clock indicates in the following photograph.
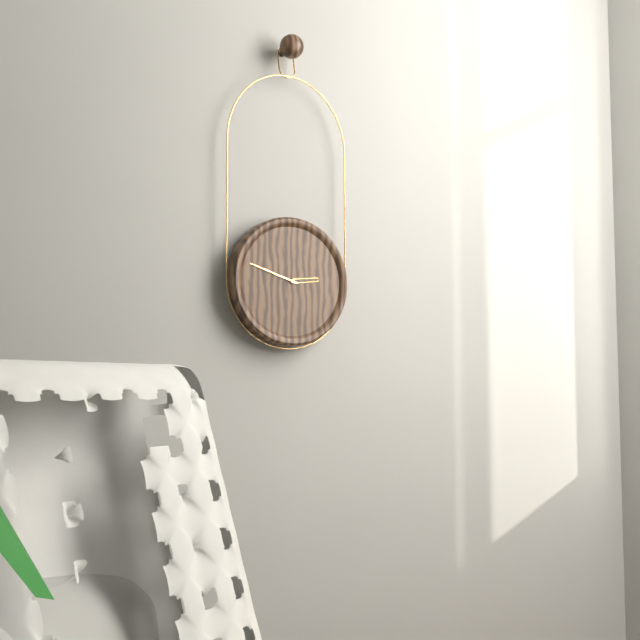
2:48
